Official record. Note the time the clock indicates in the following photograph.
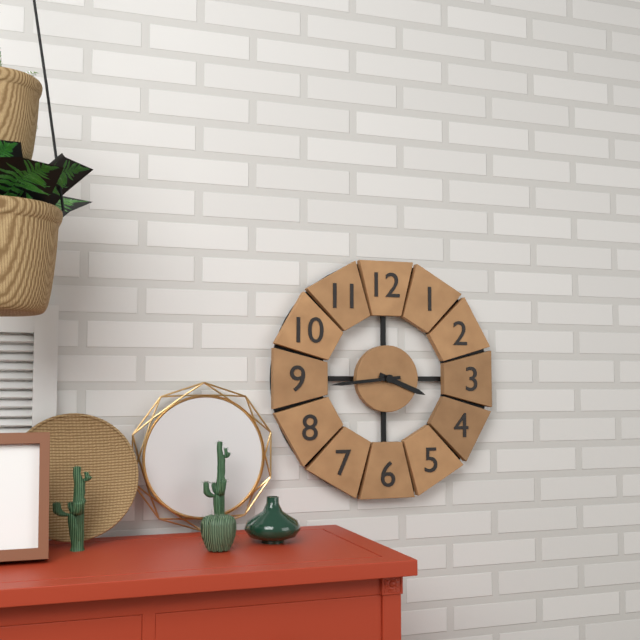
3:44
